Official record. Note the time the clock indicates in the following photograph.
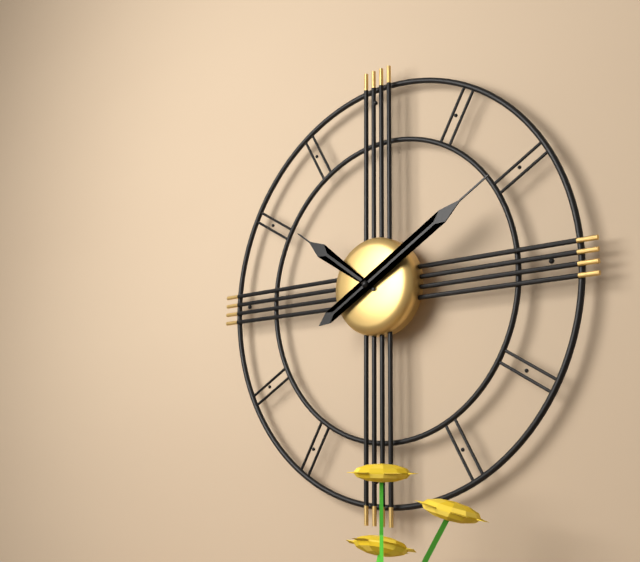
10:10
